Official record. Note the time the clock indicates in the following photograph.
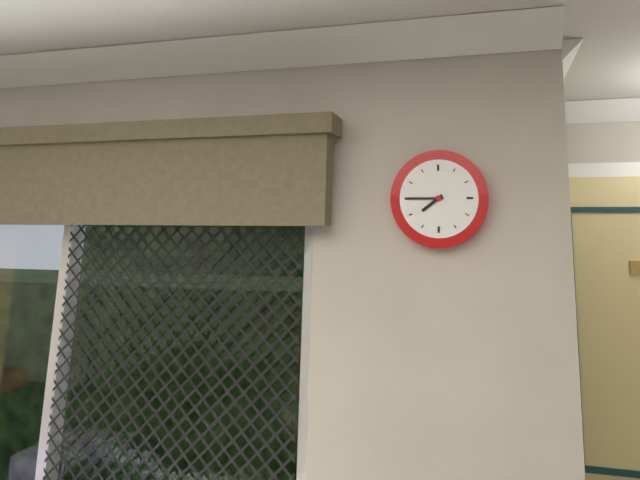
7:45
